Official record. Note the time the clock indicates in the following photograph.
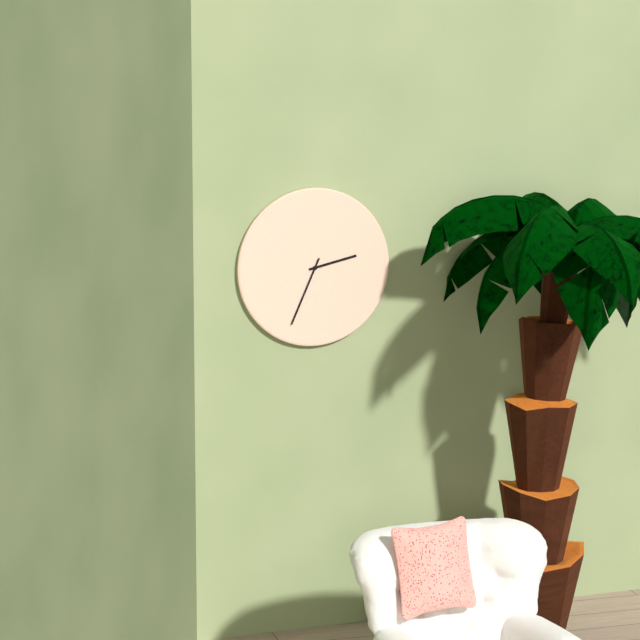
2:34
